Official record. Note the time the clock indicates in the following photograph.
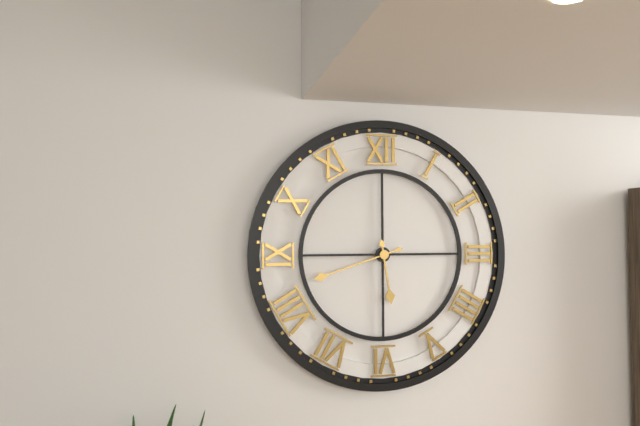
5:42
